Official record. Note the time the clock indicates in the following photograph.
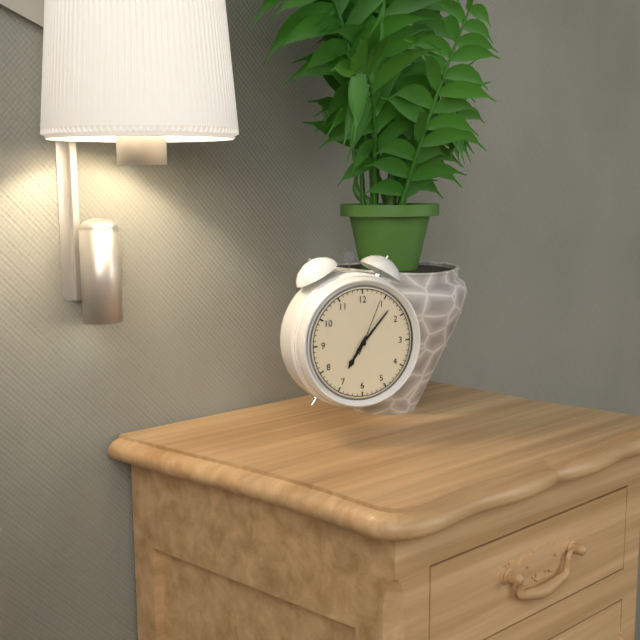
7:07:04
